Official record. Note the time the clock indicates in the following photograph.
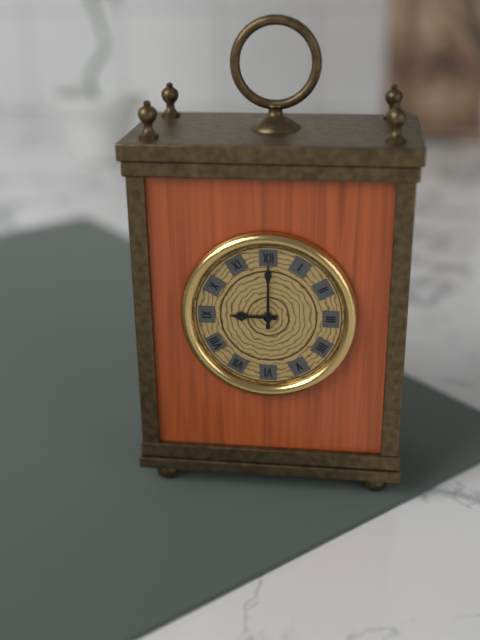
9:00
